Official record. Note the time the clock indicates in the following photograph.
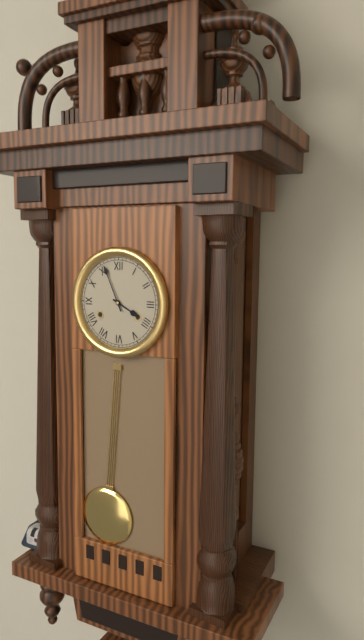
3:56
